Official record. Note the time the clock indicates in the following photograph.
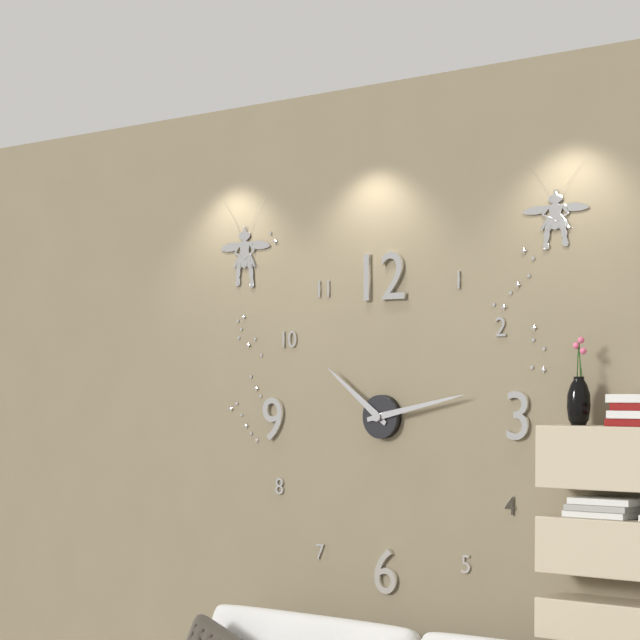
10:13
